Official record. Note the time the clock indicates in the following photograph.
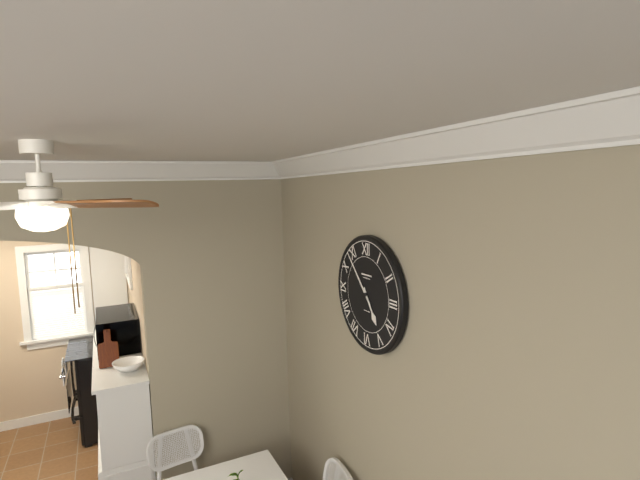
4:53
